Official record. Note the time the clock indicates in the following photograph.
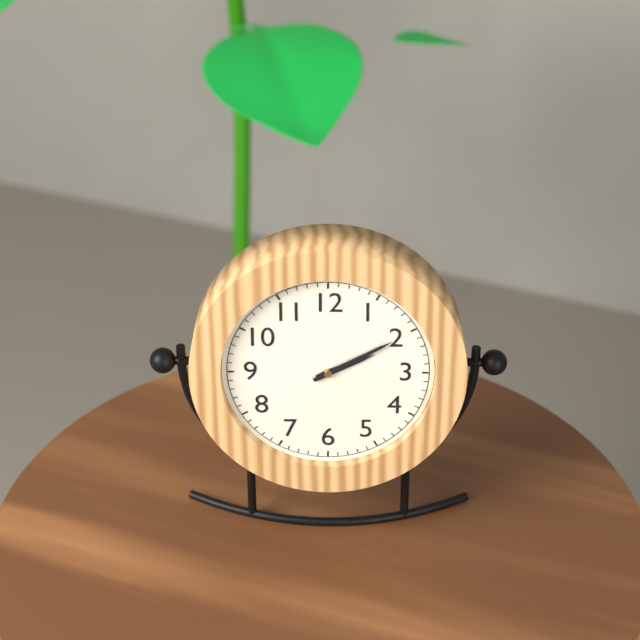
2:10
